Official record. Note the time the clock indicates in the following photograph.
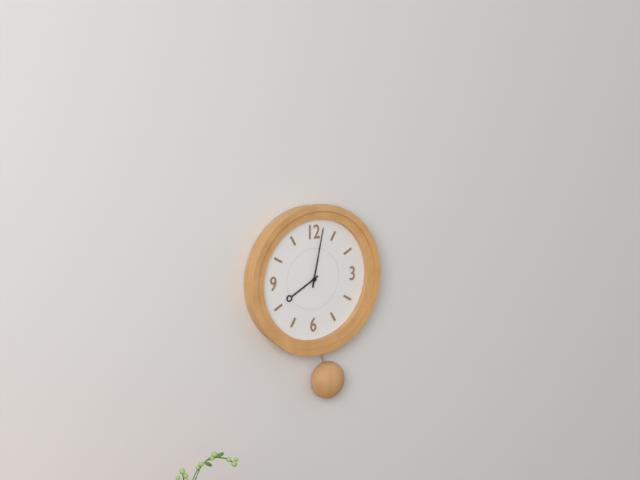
8:02
